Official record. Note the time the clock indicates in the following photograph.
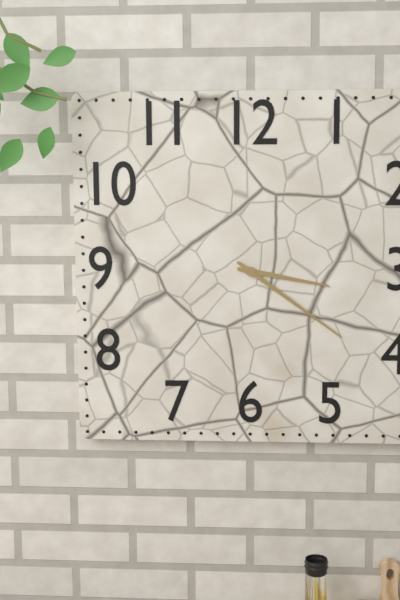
3:21
